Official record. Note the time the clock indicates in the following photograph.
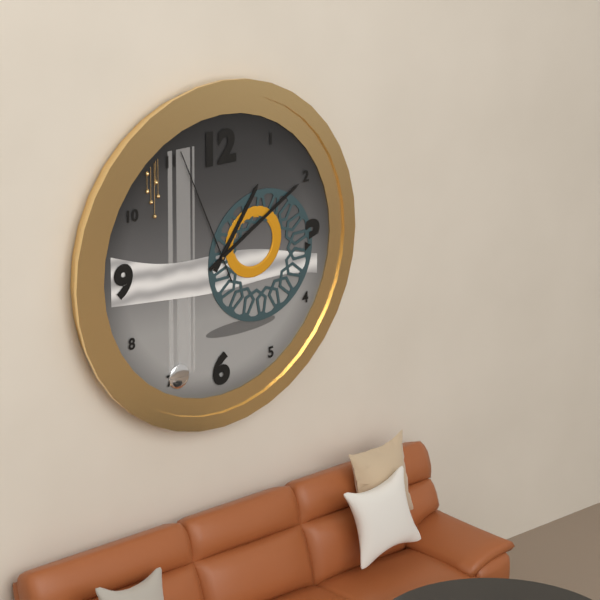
1:10:56
